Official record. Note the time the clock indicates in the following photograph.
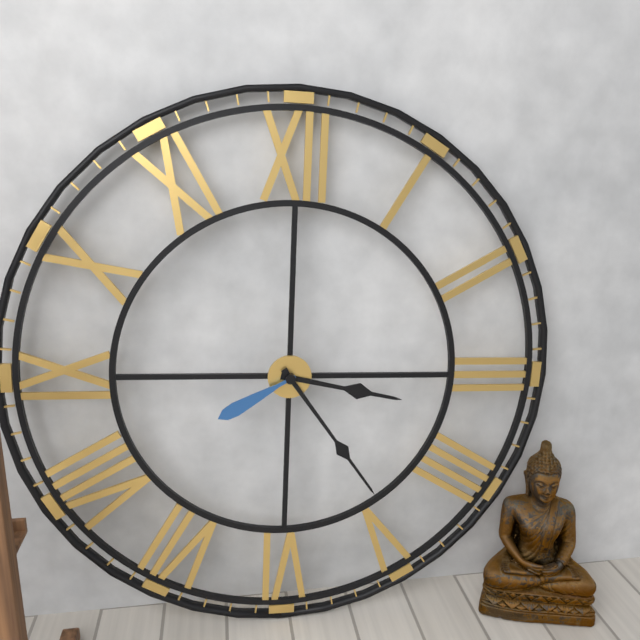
3:24:40
